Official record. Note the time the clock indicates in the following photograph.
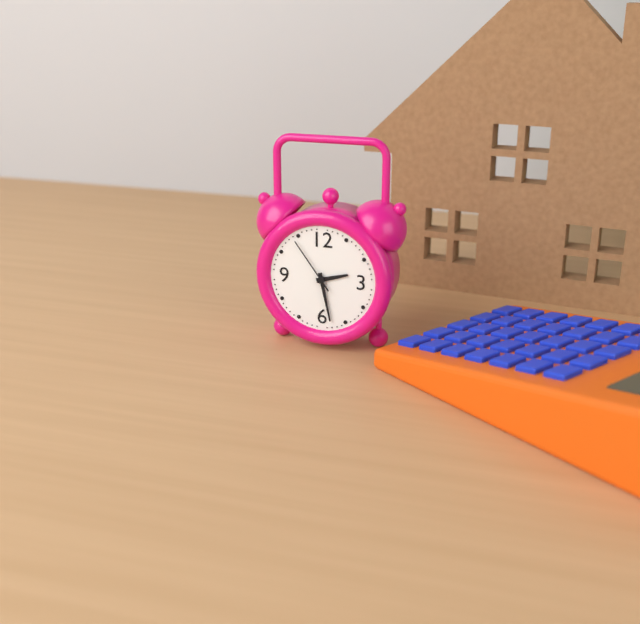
2:28:54
